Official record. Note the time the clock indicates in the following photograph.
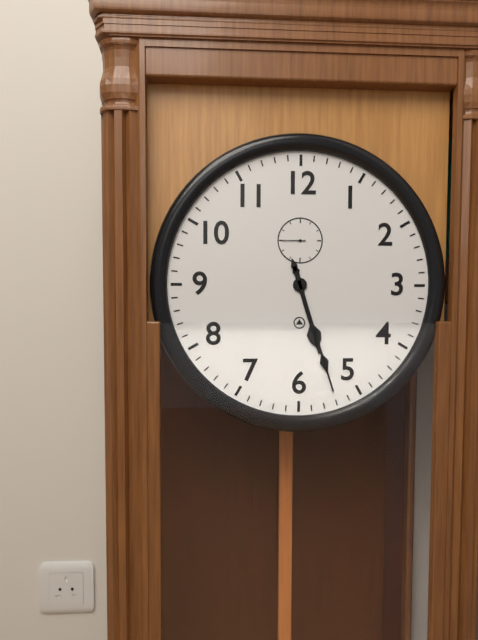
5:27
